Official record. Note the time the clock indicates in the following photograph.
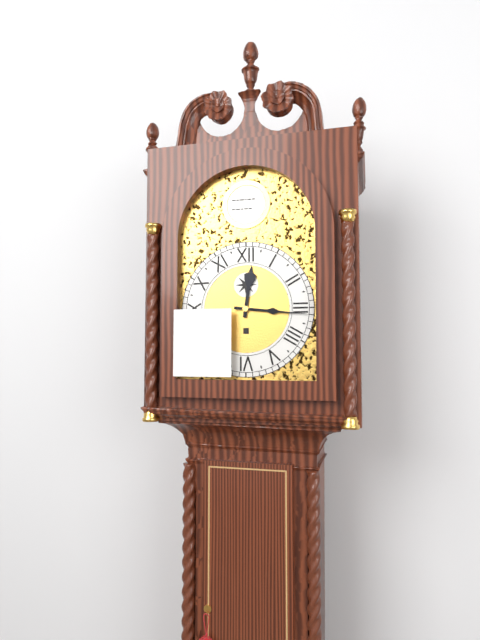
12:16
